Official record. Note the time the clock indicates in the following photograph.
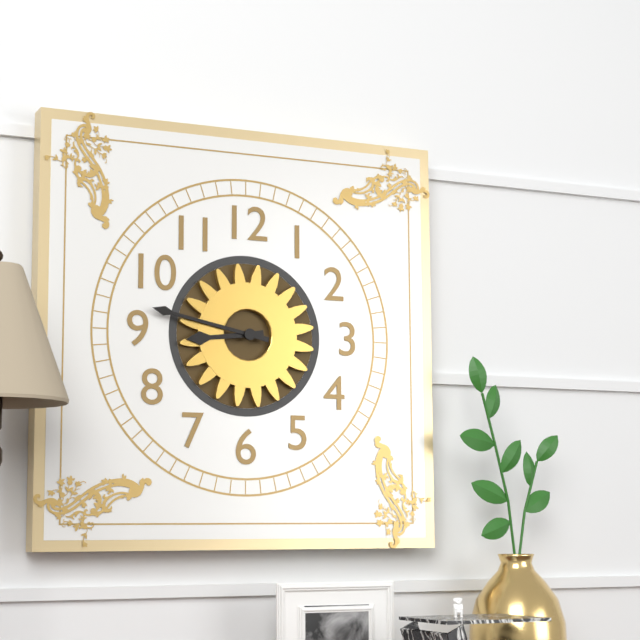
8:47
